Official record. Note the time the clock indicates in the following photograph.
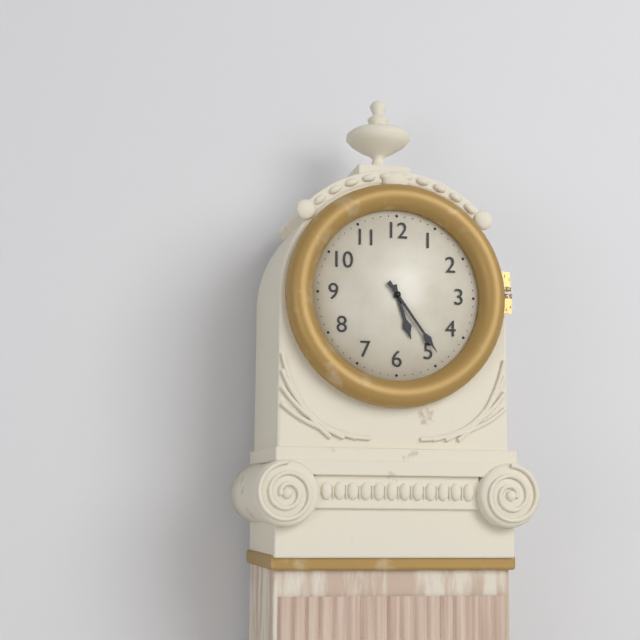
5:24
